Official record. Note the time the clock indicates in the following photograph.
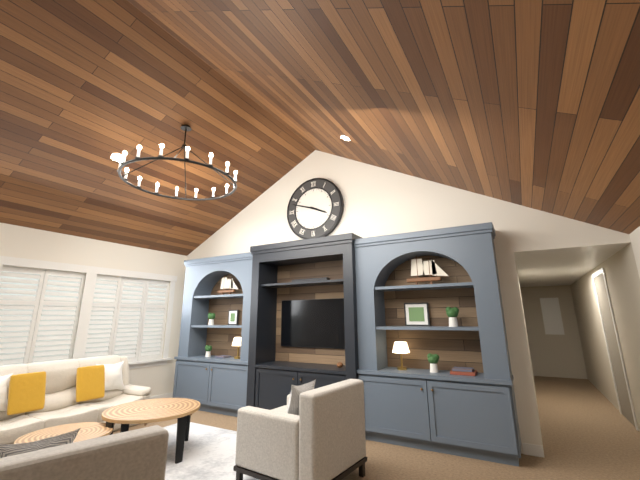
3:48
